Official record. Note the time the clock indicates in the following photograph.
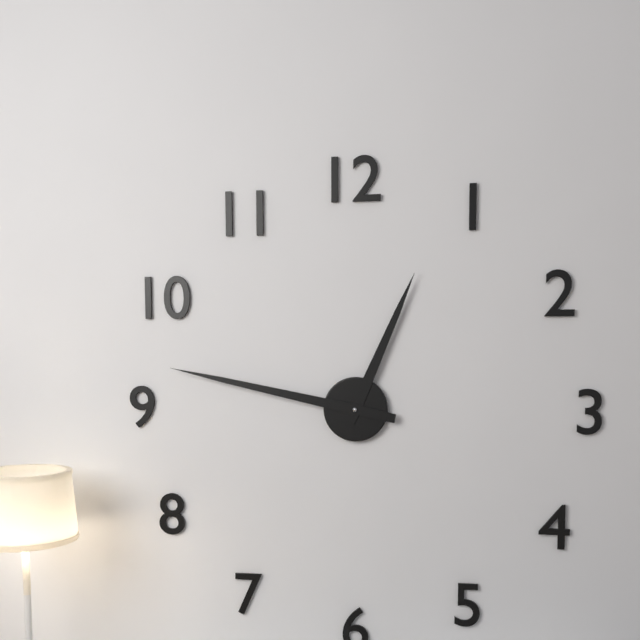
12:47
